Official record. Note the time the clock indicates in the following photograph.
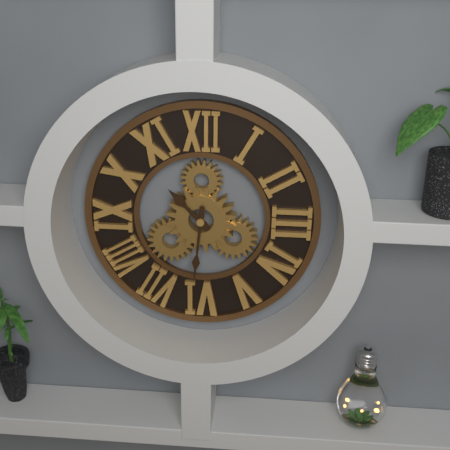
10:31
